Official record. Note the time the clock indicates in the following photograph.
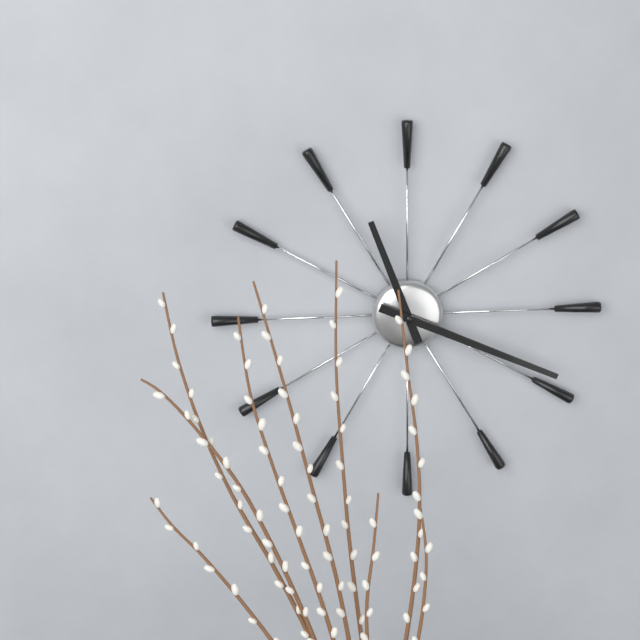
11:19
